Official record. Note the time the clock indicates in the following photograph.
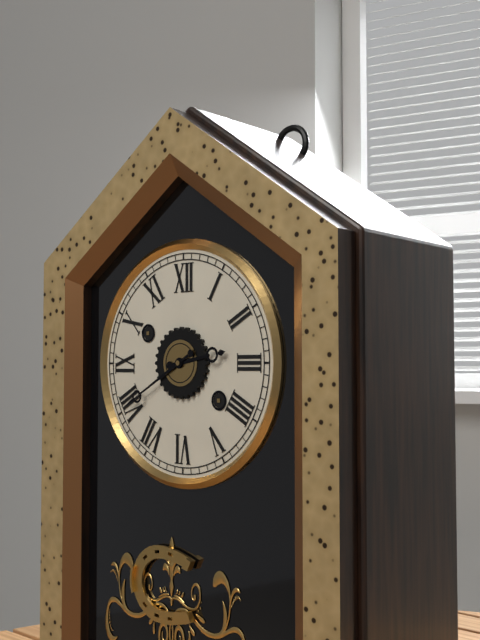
2:40
